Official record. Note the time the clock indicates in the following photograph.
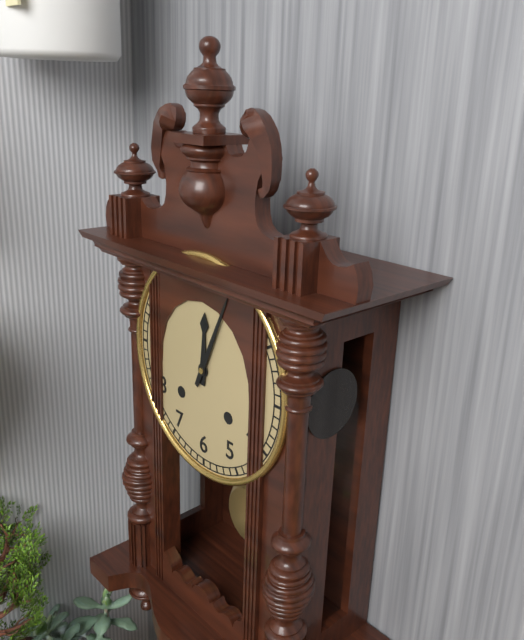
12:04
